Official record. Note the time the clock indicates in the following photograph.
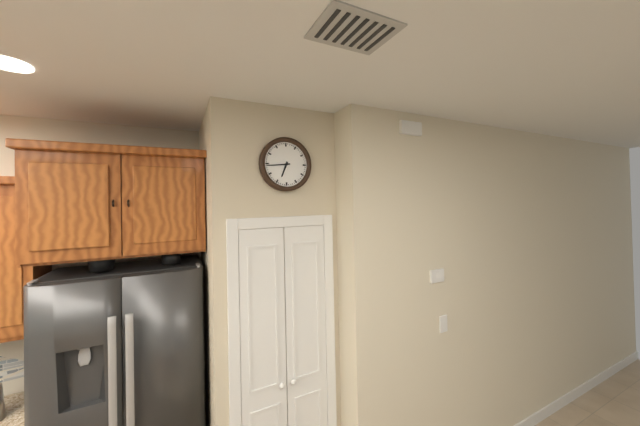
6:44
